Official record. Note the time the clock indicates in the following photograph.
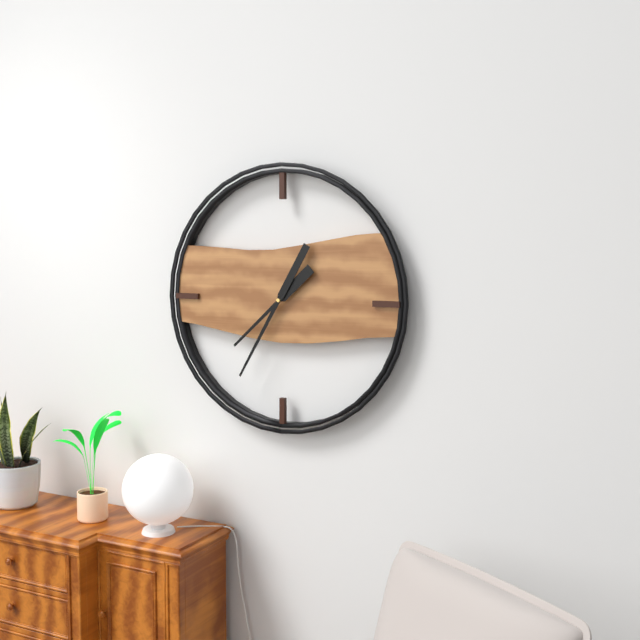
7:35
